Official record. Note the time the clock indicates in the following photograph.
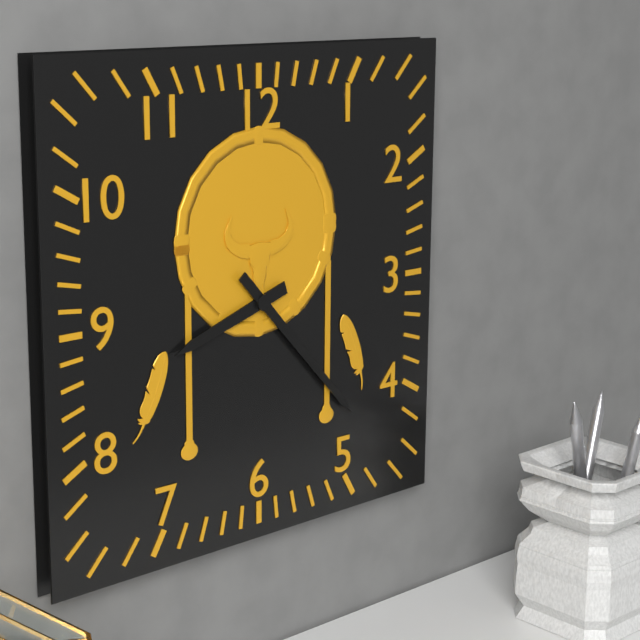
8:23
